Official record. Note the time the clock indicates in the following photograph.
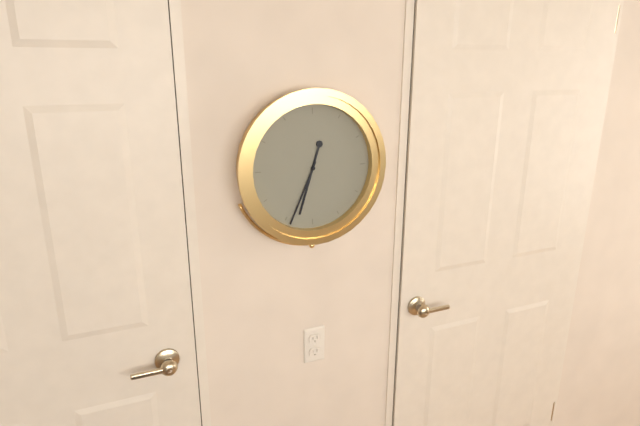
6:34
